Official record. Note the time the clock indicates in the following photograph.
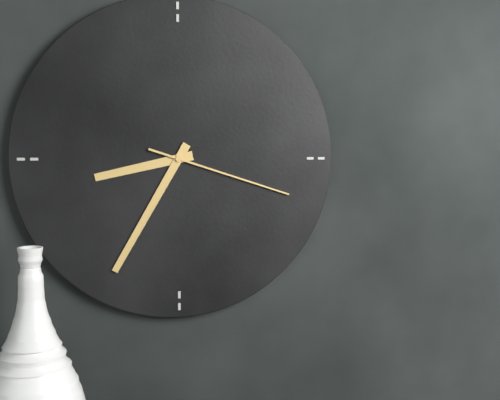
8:35:18
